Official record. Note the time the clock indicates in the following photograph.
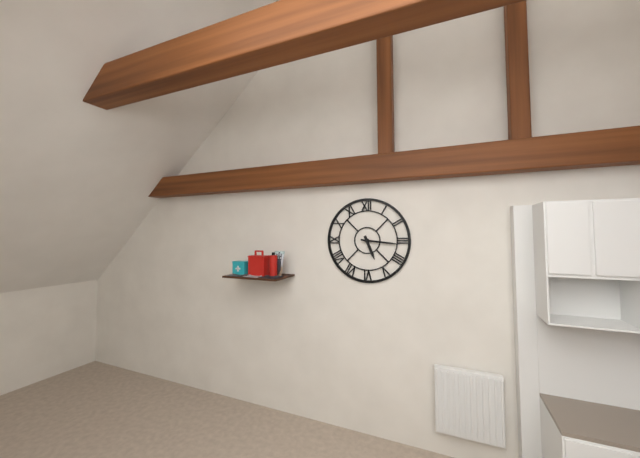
5:16
